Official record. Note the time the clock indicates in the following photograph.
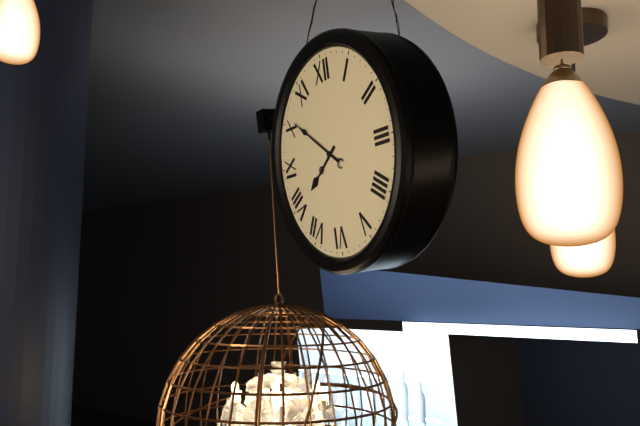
7:51
